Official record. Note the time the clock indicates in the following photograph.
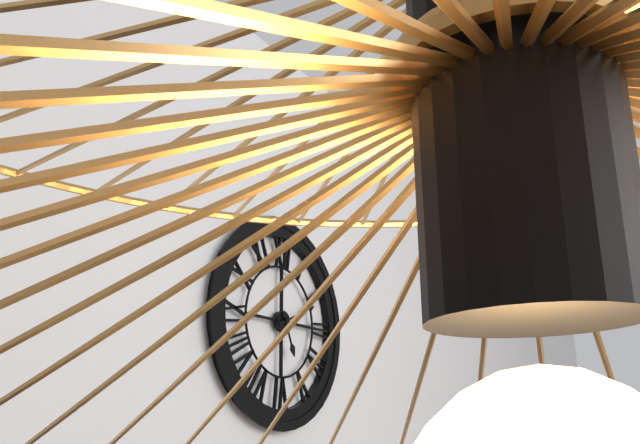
5:11
